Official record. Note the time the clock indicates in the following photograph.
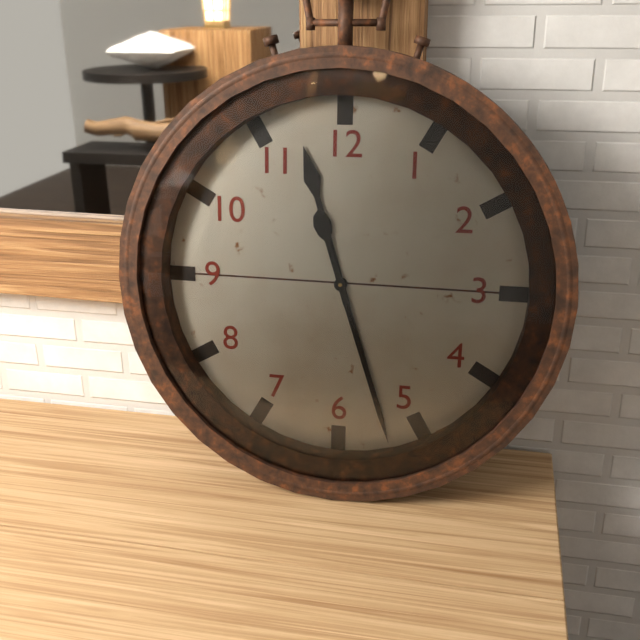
11:27
